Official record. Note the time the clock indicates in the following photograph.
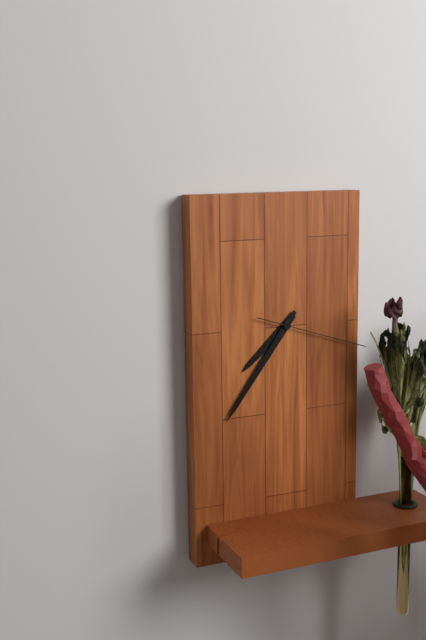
7:36:18
